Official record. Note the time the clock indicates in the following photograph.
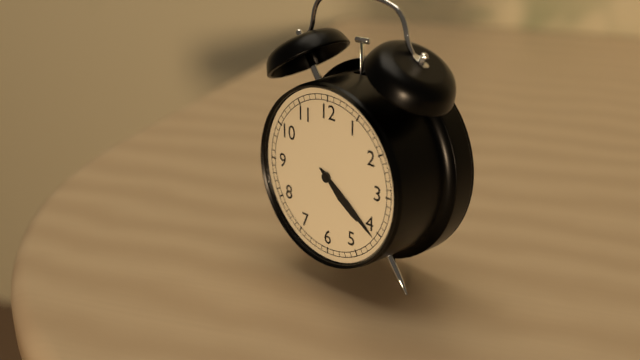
4:21
